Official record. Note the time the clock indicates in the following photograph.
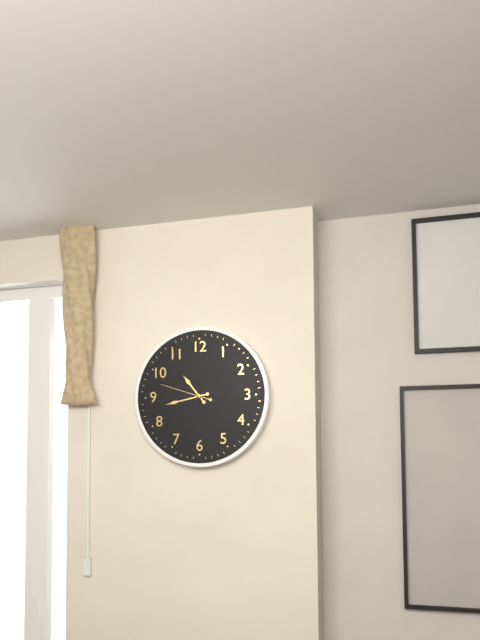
10:43
